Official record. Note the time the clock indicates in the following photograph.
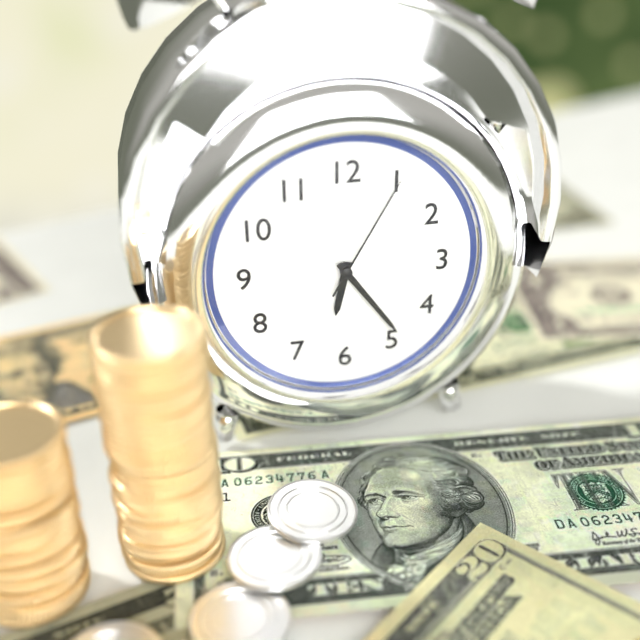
6:24:05
